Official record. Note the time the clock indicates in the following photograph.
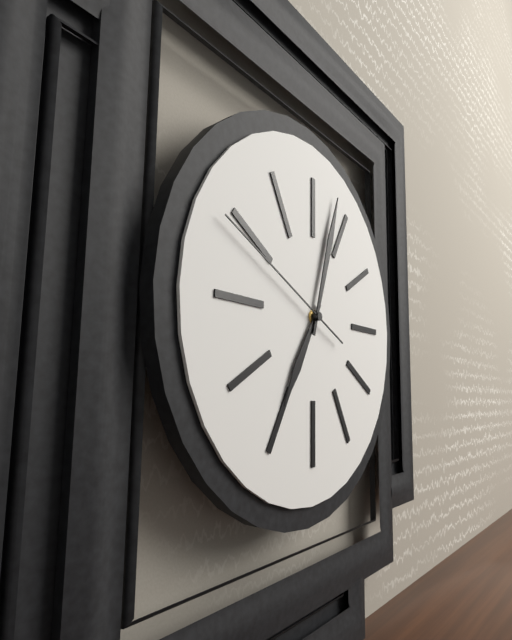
7:03:49
